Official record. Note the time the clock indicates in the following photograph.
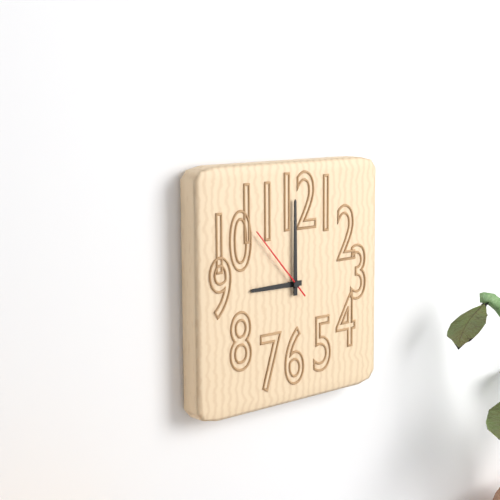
9:00:53
